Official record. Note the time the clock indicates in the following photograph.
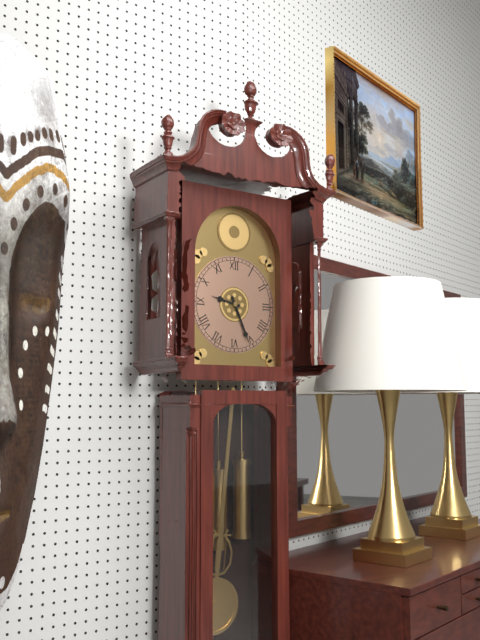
9:26
